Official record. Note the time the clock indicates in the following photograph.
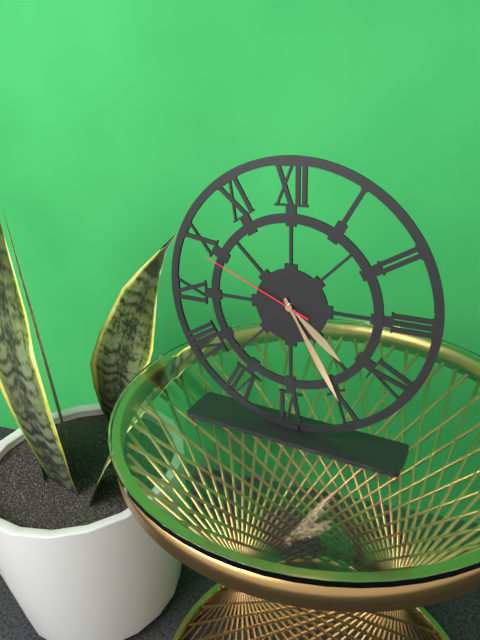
4:25:49
